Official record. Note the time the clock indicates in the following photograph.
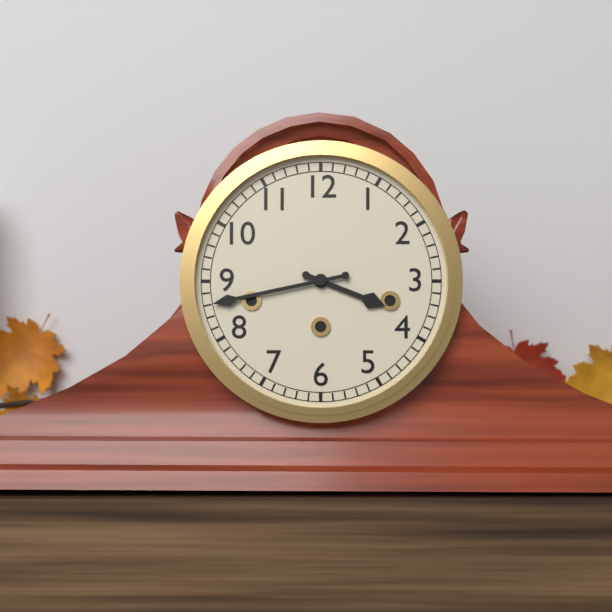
3:43
